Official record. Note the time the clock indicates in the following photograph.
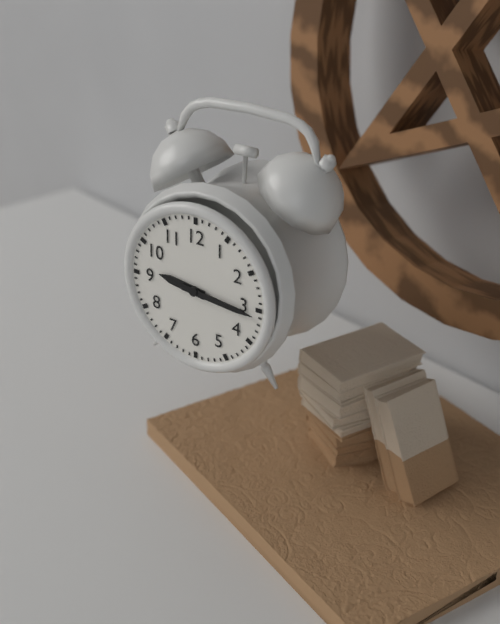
9:16
